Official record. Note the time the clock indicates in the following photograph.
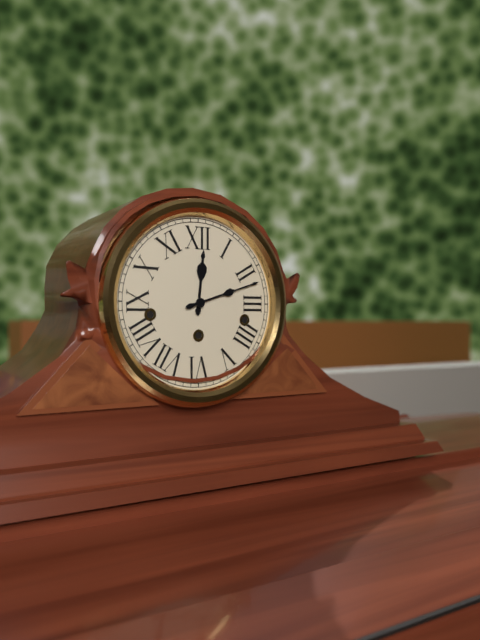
12:12
